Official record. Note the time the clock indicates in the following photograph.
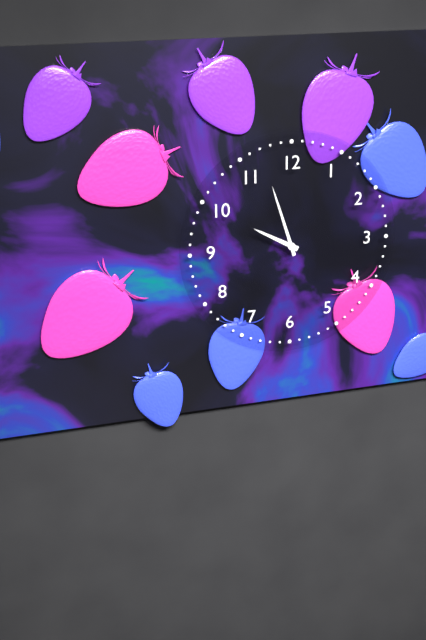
9:57
